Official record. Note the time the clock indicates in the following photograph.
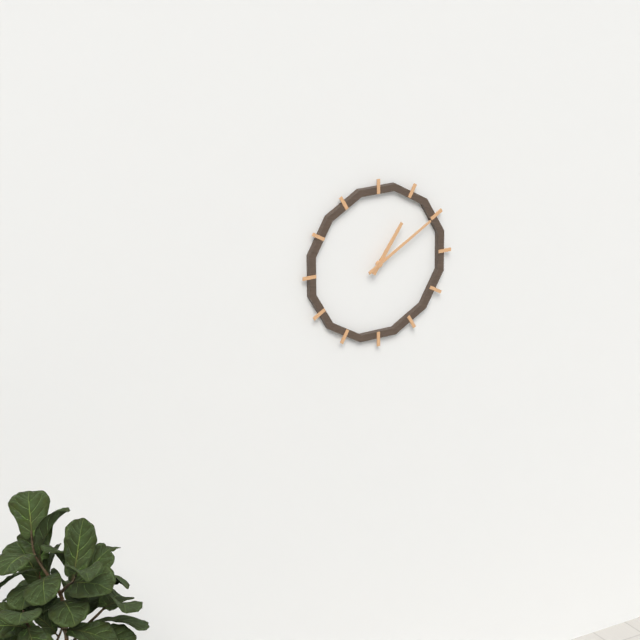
1:10
